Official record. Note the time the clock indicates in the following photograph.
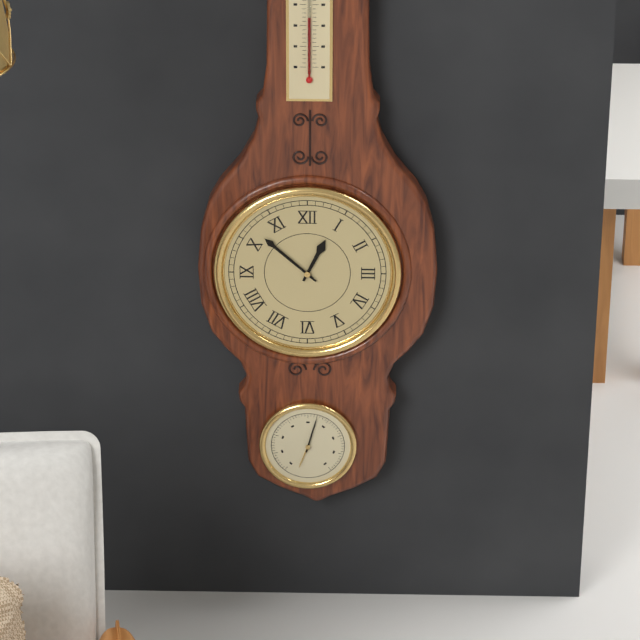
12:52
